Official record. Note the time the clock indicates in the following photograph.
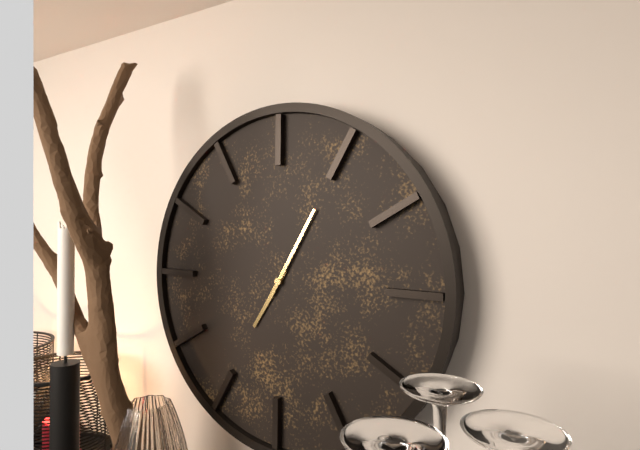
7:05
